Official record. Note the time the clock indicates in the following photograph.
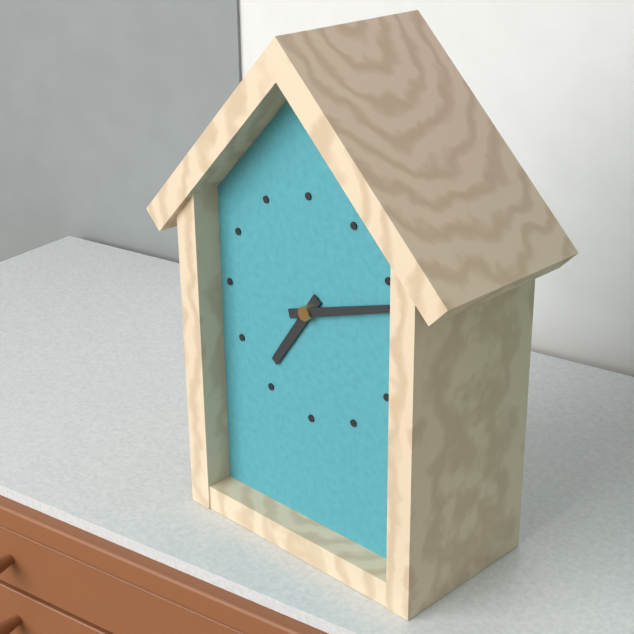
7:12
